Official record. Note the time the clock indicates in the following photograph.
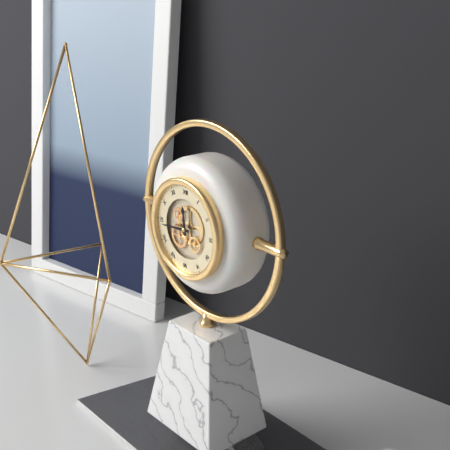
11:44
